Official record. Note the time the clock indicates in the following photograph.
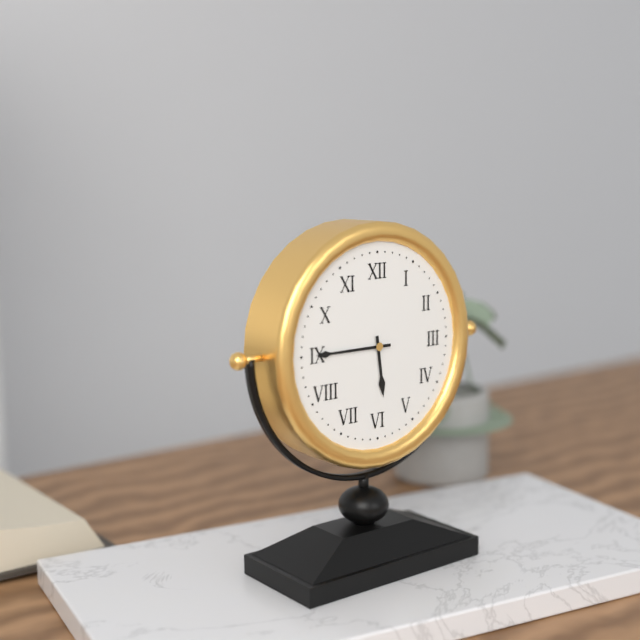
5:45
